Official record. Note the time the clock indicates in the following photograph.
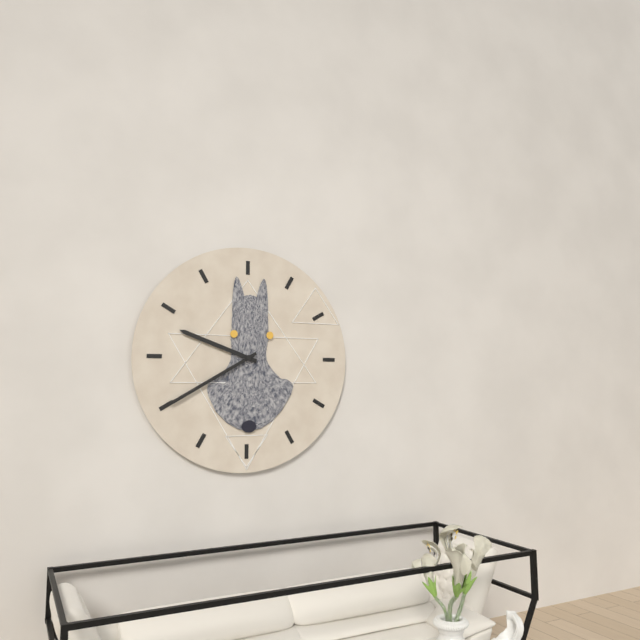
9:40
